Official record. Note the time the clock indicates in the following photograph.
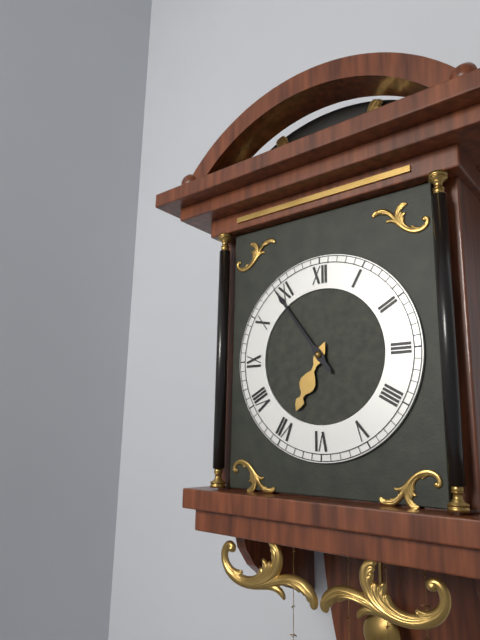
6:54
